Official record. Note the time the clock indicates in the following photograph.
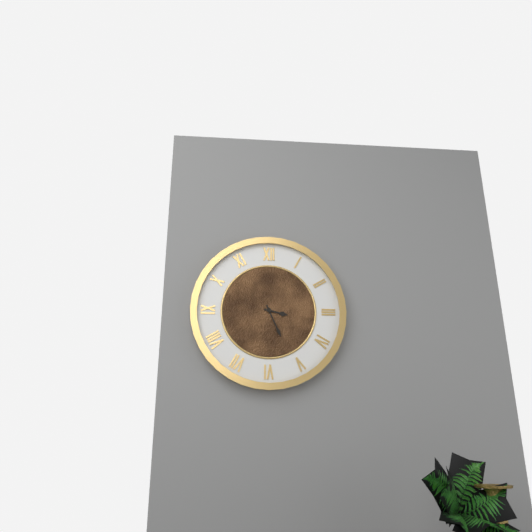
3:26
